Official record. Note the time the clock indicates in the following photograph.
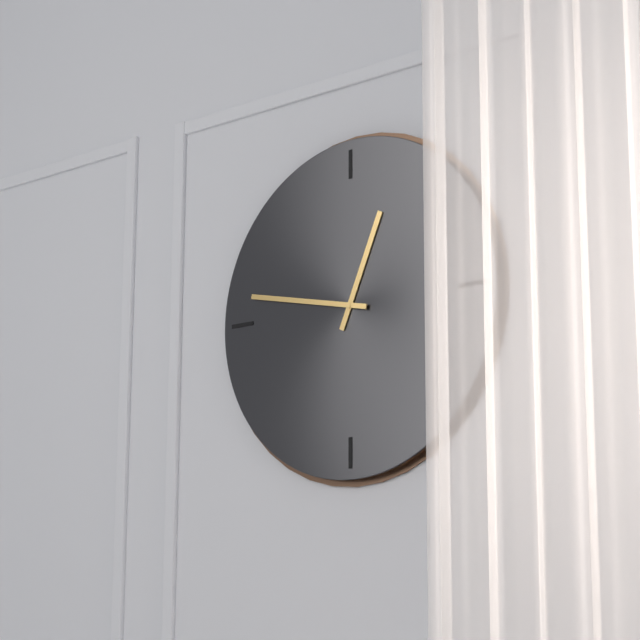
12:47
